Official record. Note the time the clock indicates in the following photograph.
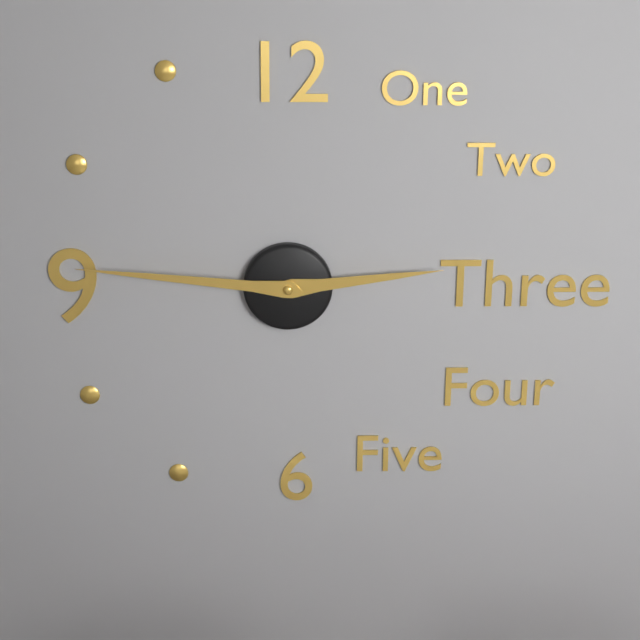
2:46
